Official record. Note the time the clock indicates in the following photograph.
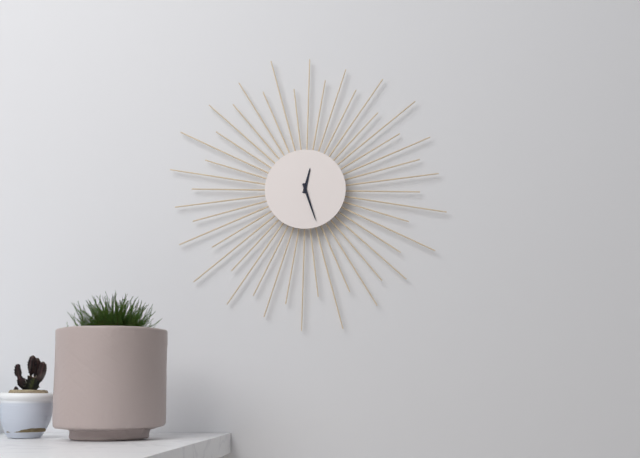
12:27
